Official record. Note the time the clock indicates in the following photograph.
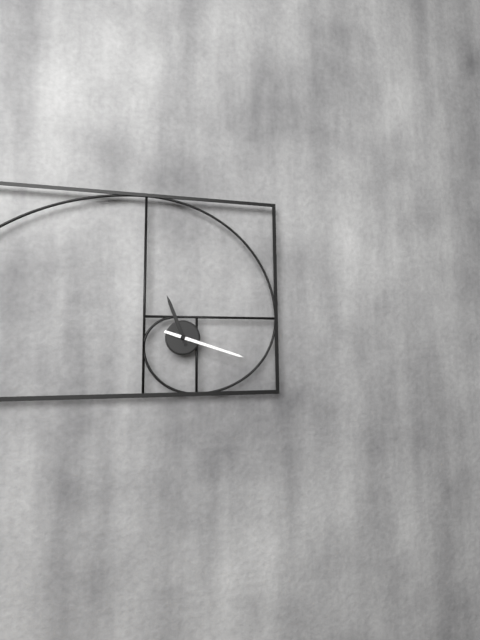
11:18
